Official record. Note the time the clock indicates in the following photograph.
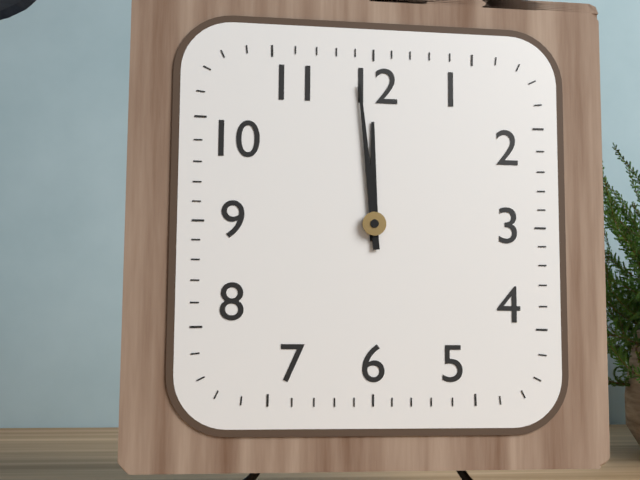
11:59
